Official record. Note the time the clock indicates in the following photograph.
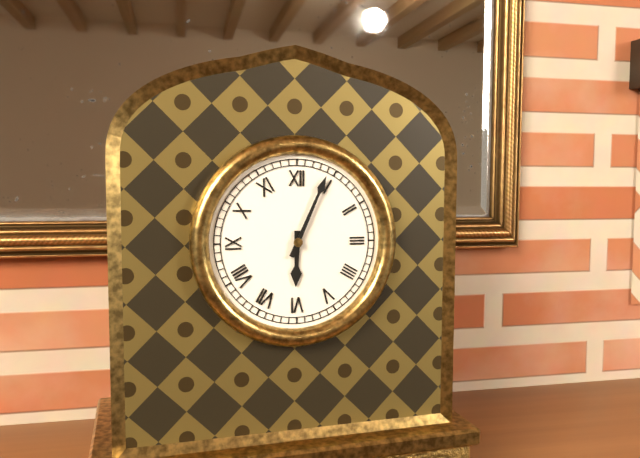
6:04
